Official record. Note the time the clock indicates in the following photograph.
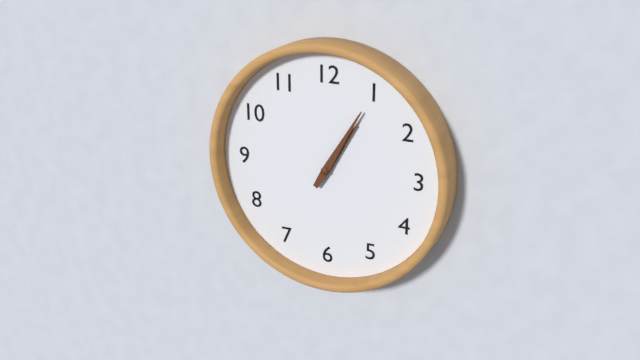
1:05
